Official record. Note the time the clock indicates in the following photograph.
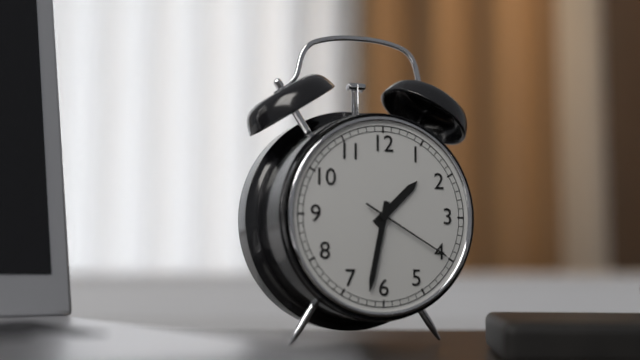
1:32:20
